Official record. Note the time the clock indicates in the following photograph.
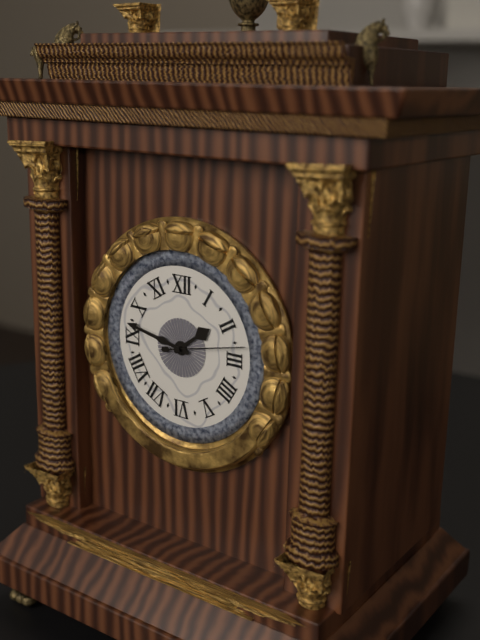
1:47:13
